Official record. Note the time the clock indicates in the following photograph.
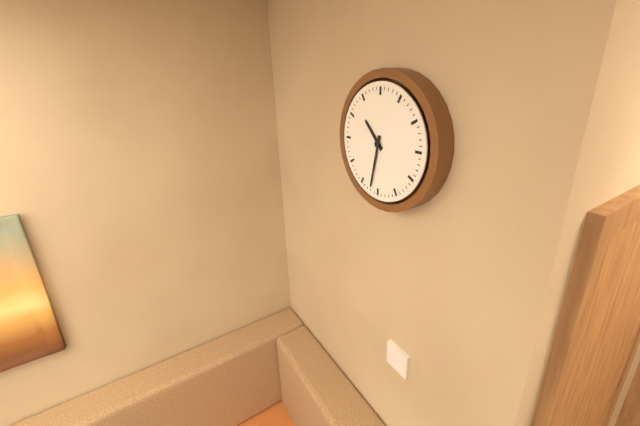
10:32
